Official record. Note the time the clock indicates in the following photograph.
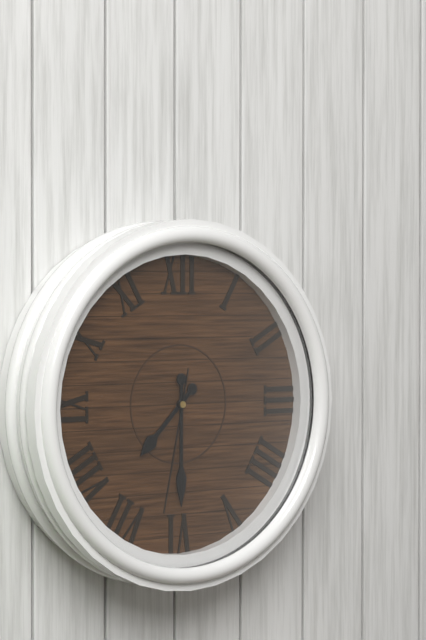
7:30:32
